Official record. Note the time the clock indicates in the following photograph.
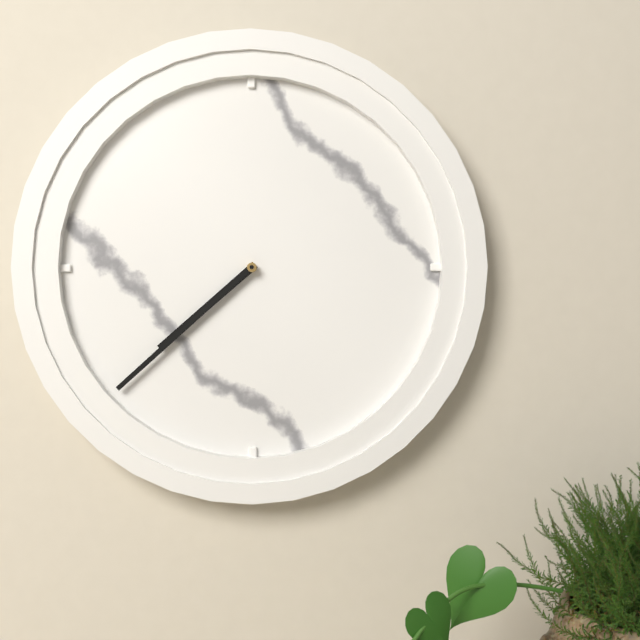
7:38
